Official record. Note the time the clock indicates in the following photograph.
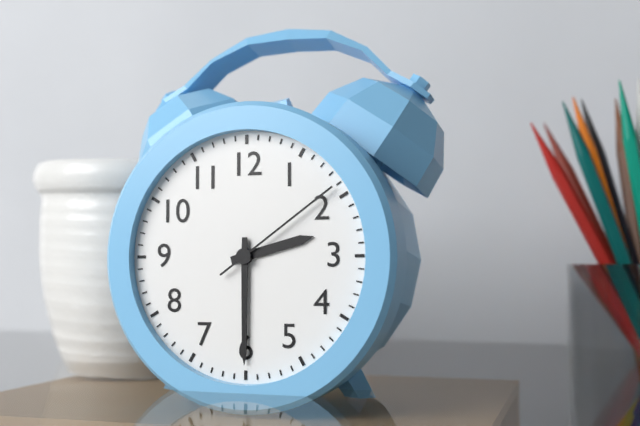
2:30:09
